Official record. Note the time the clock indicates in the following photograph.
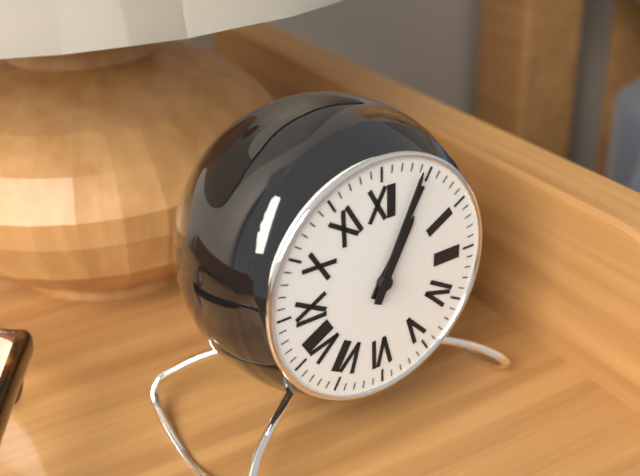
1:04
